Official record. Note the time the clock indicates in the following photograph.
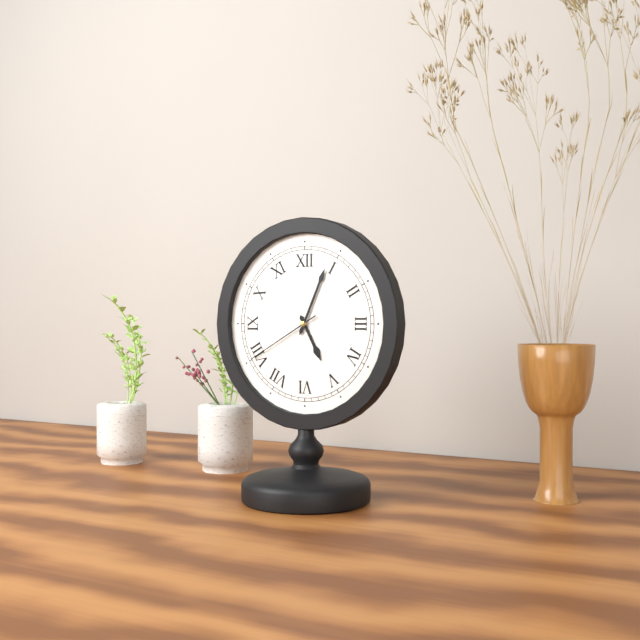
5:04:40
